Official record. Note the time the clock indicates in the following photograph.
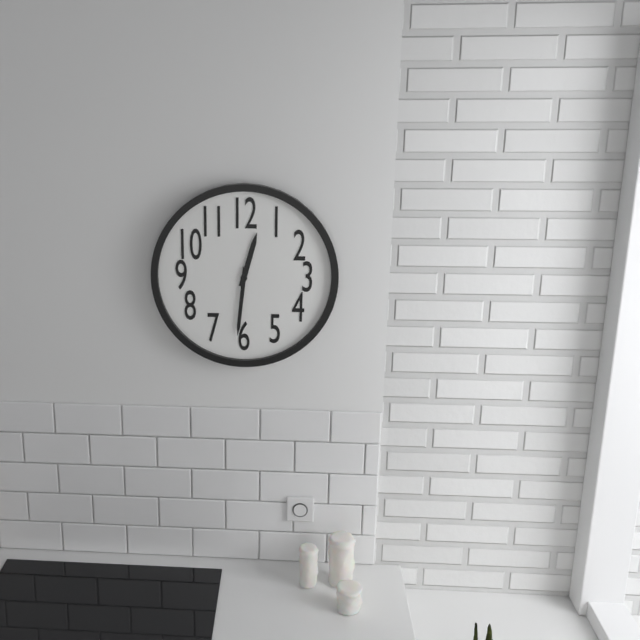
12:31
